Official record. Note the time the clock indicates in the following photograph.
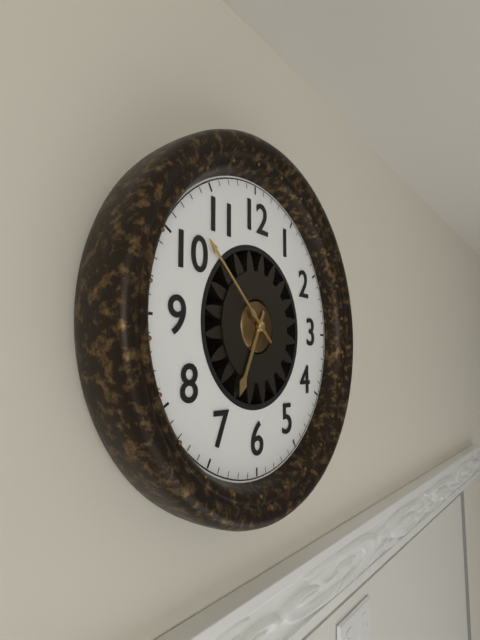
6:52
